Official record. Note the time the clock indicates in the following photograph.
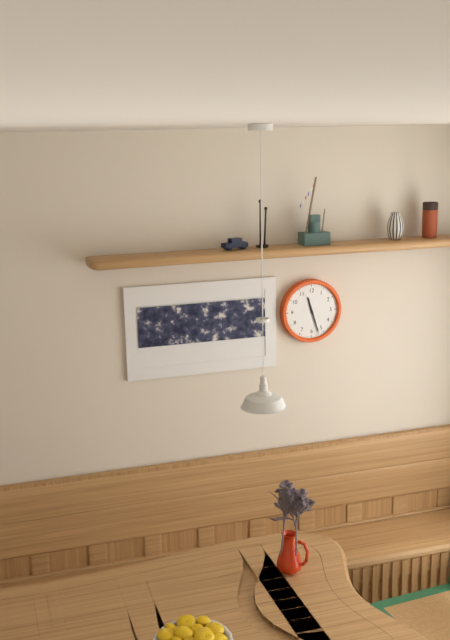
11:27
